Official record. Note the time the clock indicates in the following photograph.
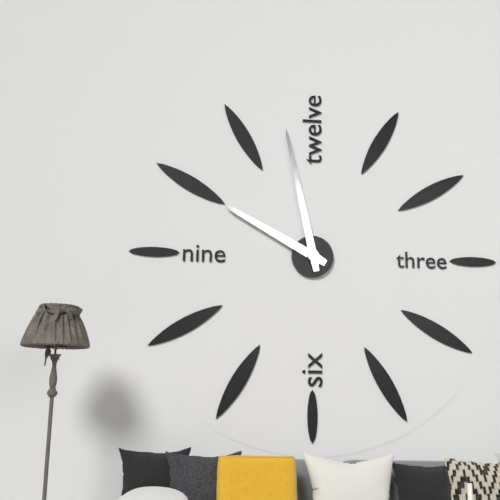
9:58
